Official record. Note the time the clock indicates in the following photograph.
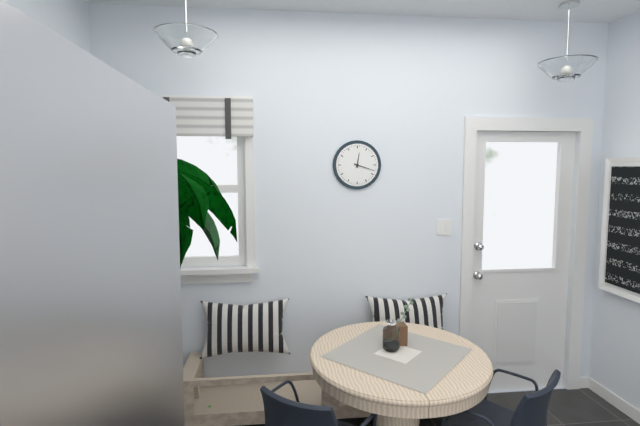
12:18
